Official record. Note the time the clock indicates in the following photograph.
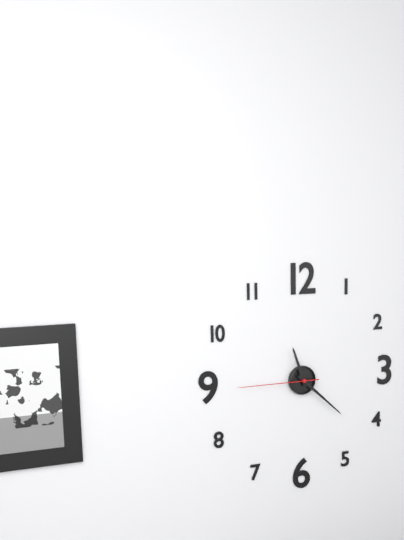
11:22:45
